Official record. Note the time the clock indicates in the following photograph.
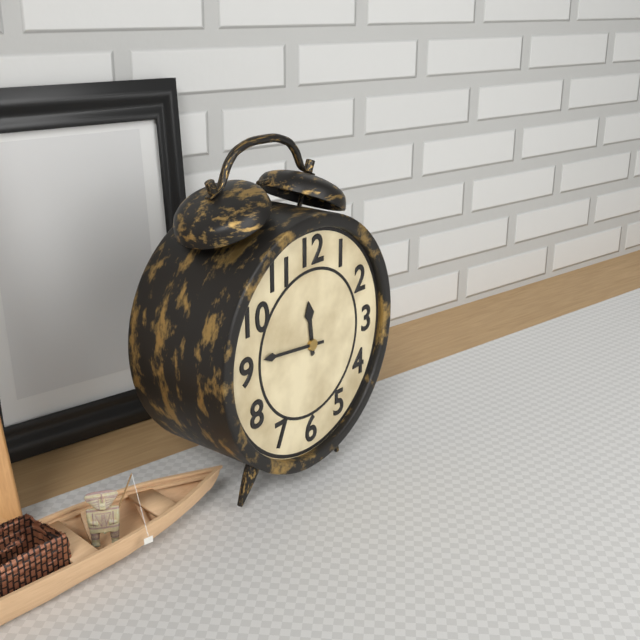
11:46
